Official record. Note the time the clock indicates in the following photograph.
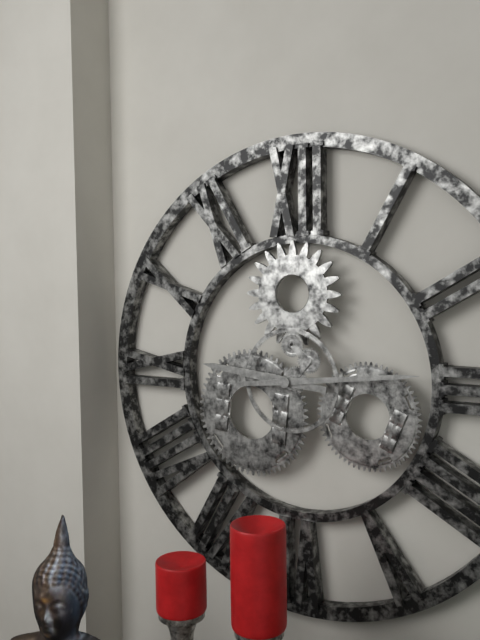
9:14
